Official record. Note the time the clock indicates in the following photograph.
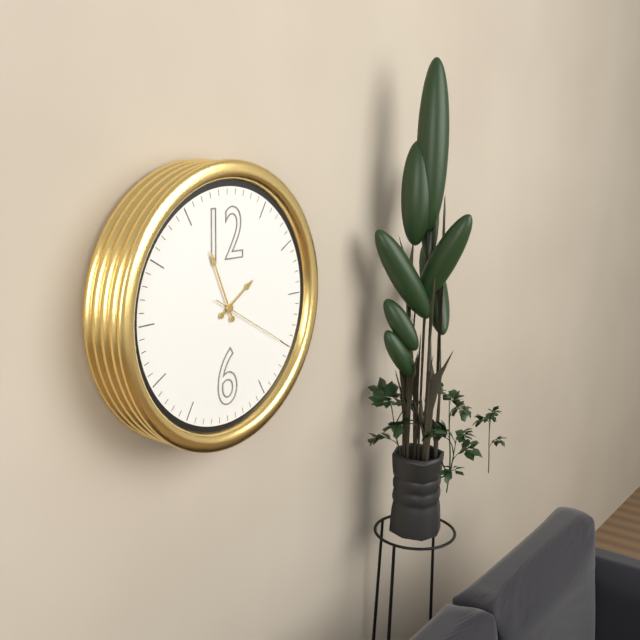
1:56:20
